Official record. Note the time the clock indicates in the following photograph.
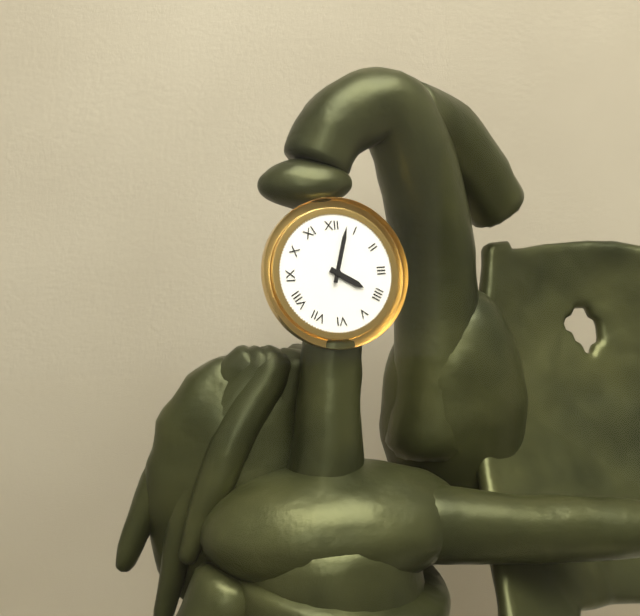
4:03
